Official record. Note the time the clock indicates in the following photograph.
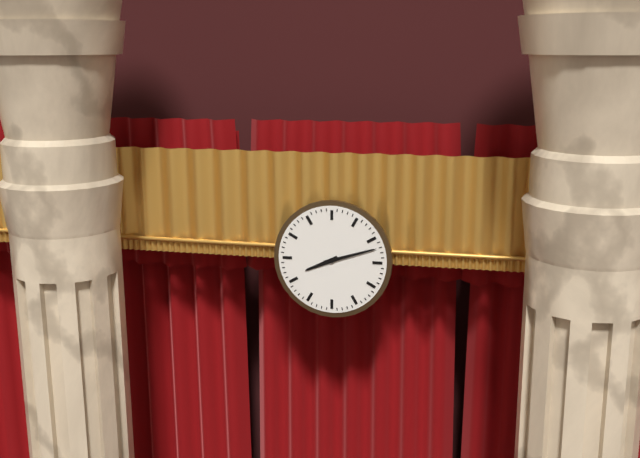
8:12
